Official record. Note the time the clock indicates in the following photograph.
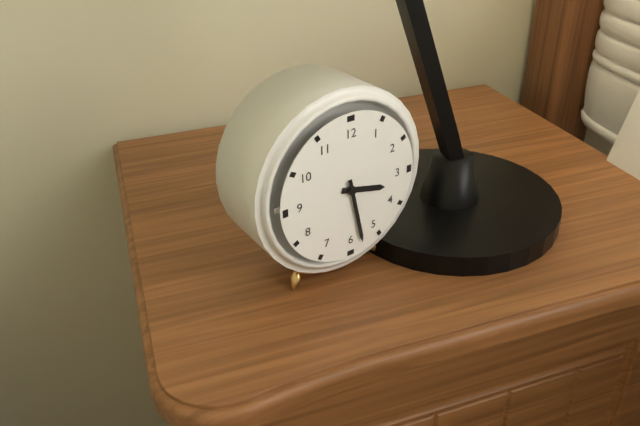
3:28
